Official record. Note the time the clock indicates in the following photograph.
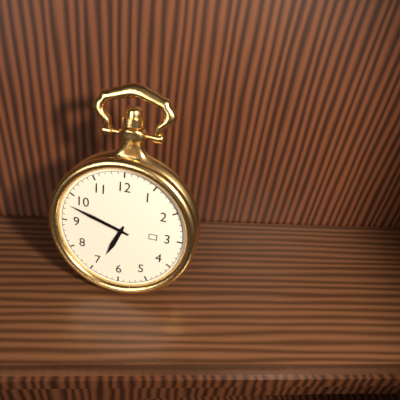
6:48
